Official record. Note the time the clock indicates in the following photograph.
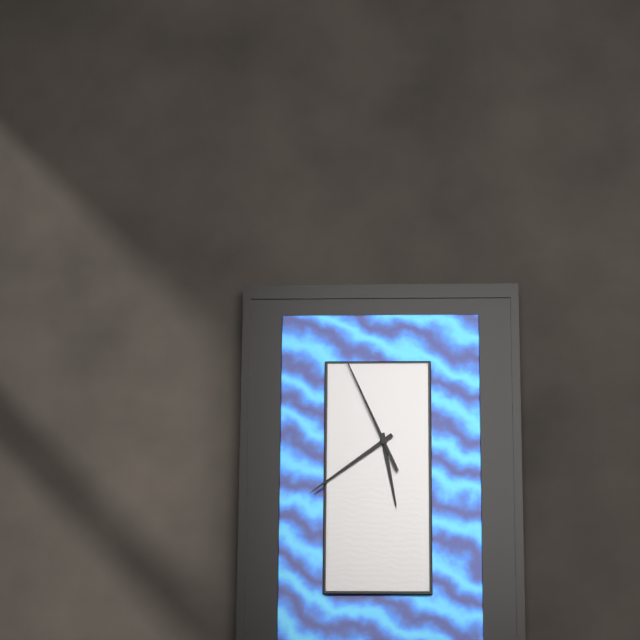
5:39:56
